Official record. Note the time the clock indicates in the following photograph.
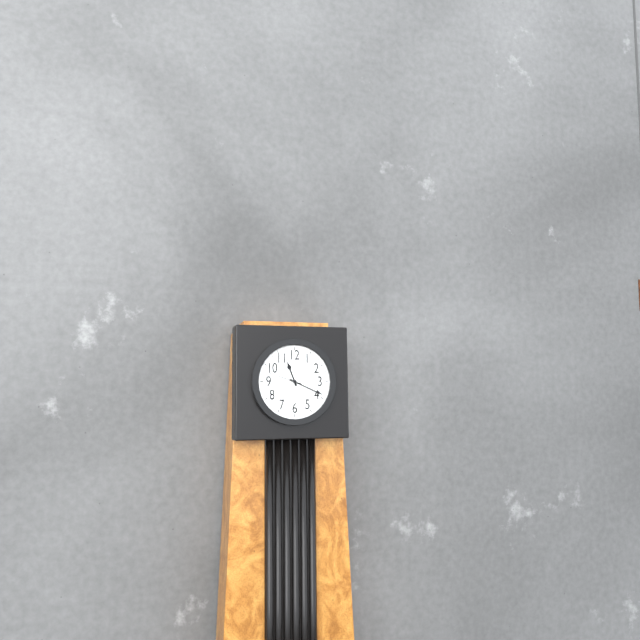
11:19
